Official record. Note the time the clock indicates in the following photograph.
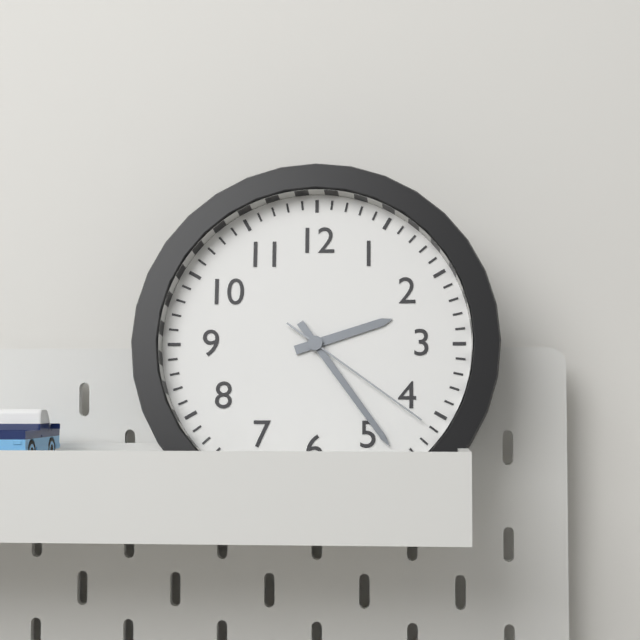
2:24:21
